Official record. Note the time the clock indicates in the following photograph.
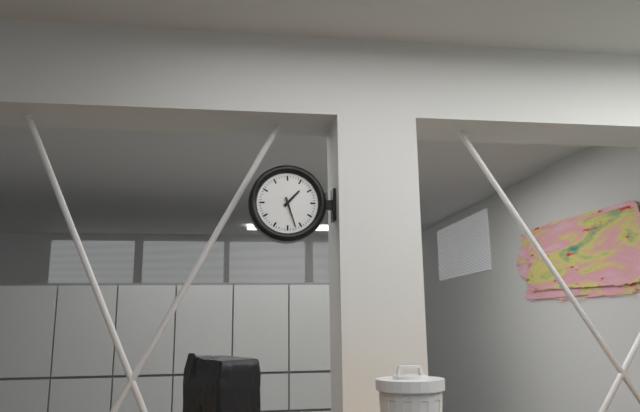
1:27
